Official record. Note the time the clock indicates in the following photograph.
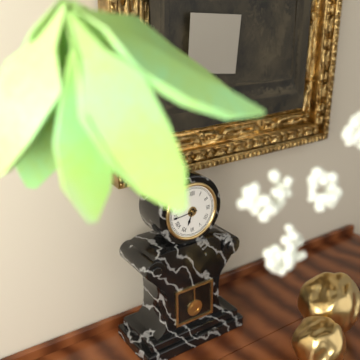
6:44
